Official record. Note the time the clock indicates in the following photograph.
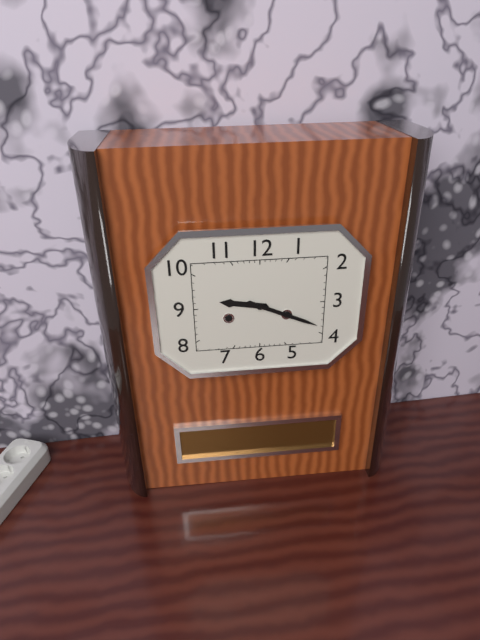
9:19
